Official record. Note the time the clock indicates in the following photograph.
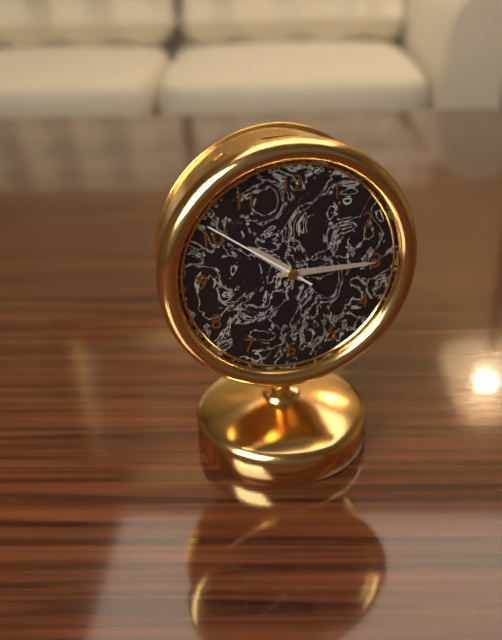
10:15:51
